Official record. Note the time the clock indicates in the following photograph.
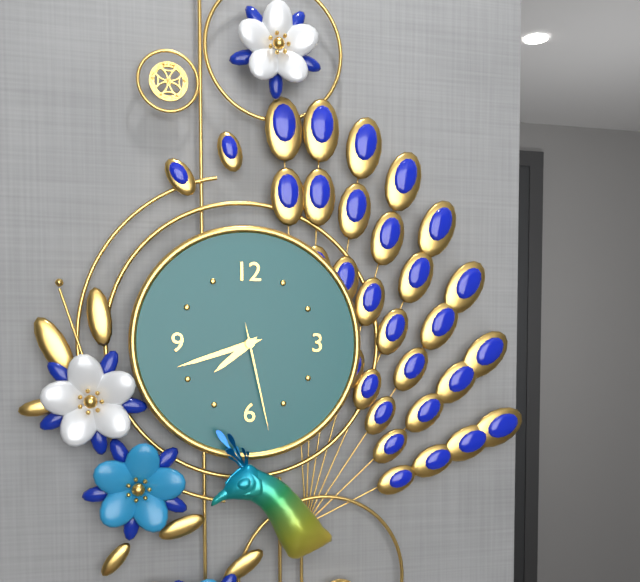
7:42:28
